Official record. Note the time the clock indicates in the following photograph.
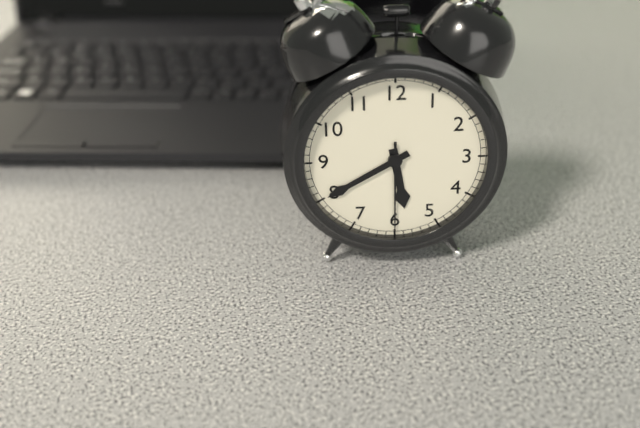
5:40:30
